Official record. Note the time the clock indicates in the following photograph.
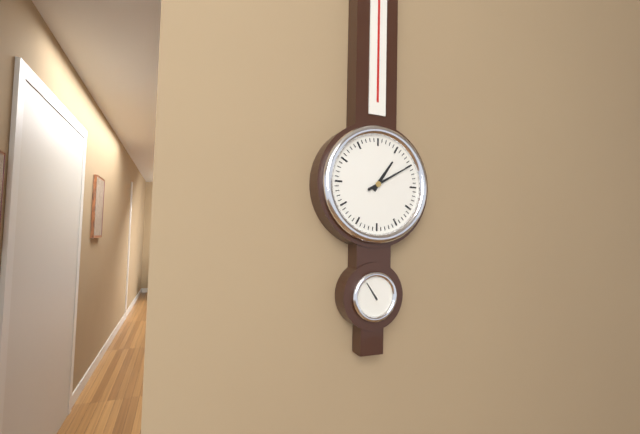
1:10
